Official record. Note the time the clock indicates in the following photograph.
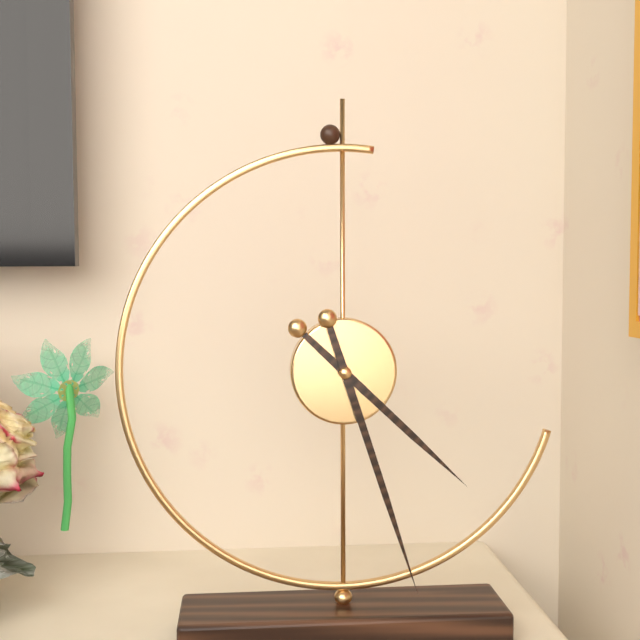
4:27
